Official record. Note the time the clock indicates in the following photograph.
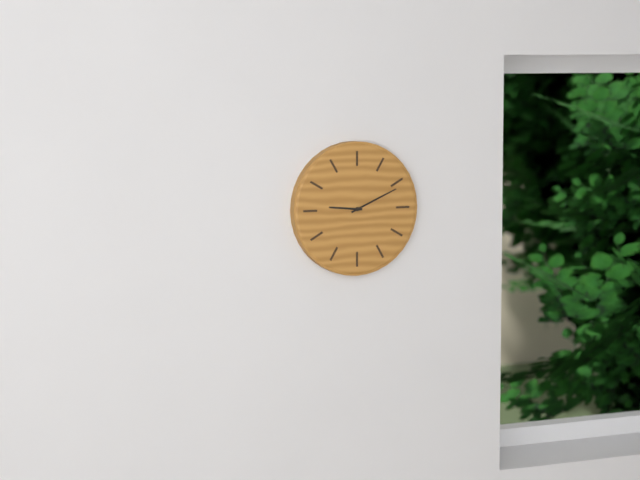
9:11
